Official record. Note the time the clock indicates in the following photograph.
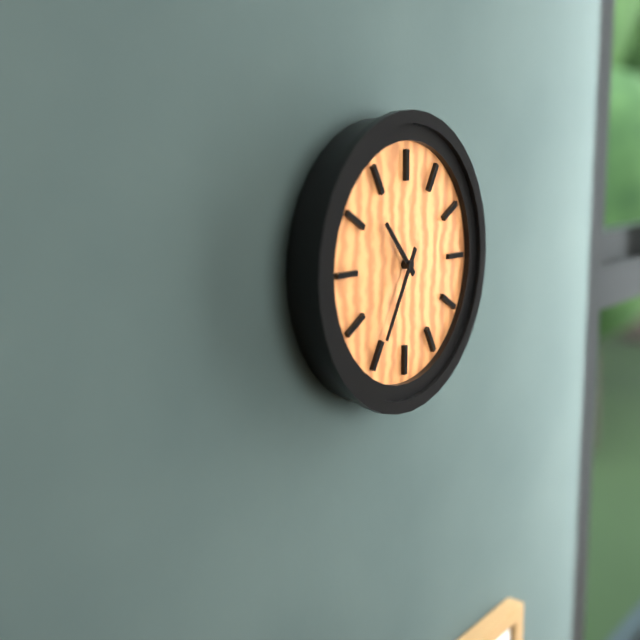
10:35
